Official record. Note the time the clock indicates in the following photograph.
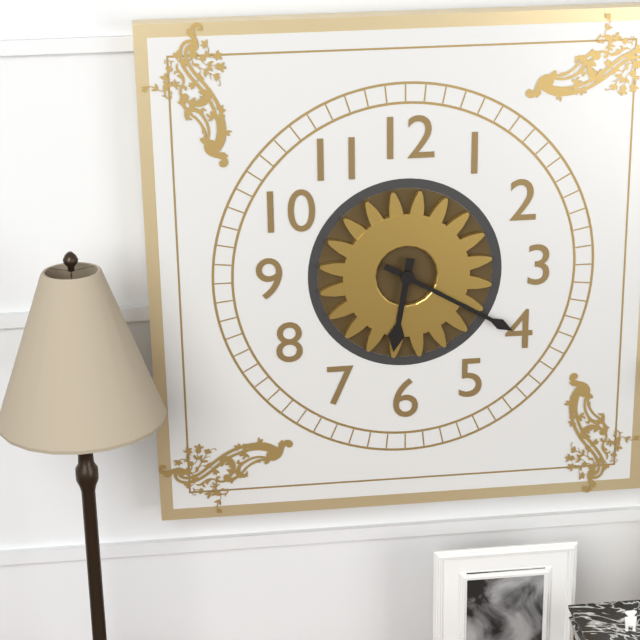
6:20
